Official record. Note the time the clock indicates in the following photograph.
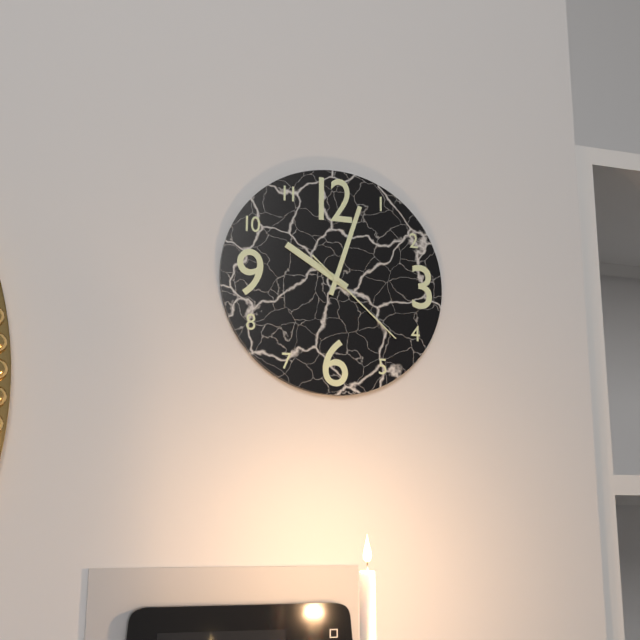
10:03:22
